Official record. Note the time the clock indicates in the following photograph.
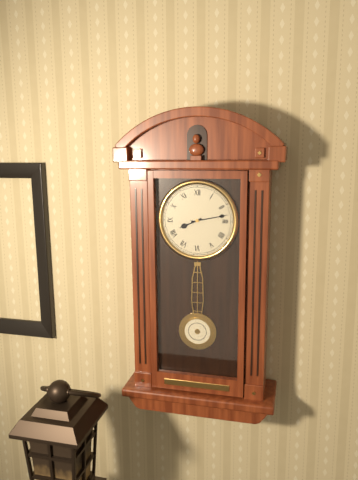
8:13
